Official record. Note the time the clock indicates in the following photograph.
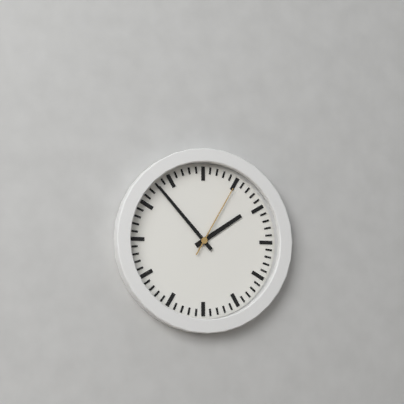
1:53:05
